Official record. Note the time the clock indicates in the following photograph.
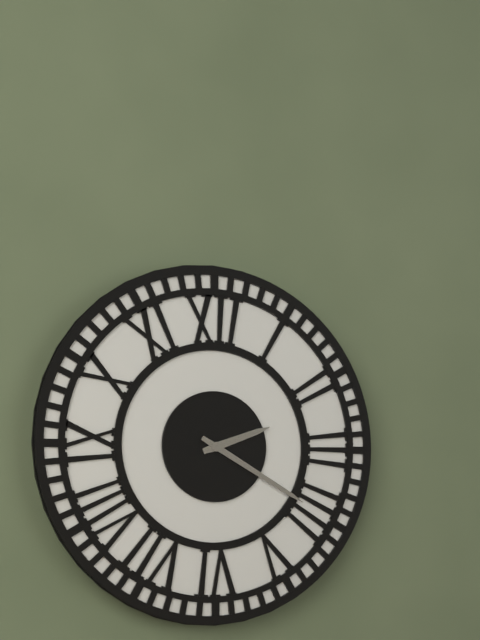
2:20
